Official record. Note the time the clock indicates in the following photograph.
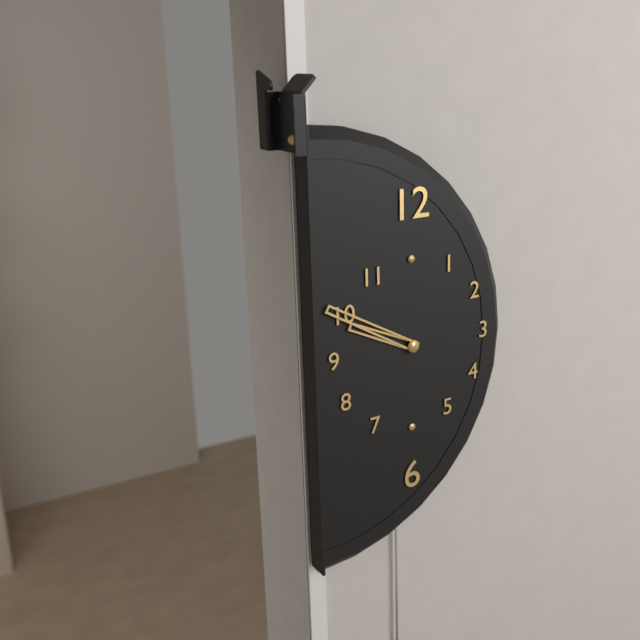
9:50
